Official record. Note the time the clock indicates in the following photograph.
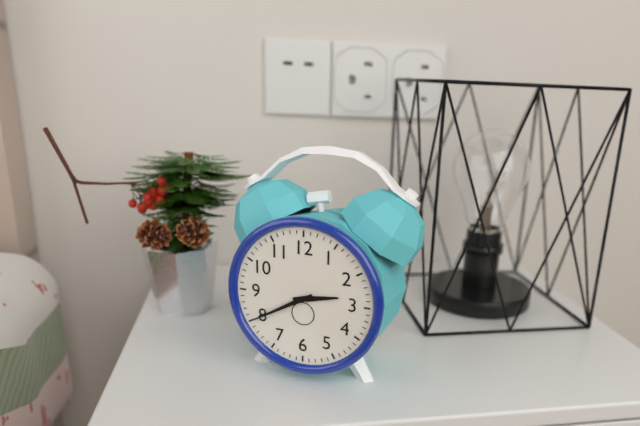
2:40
